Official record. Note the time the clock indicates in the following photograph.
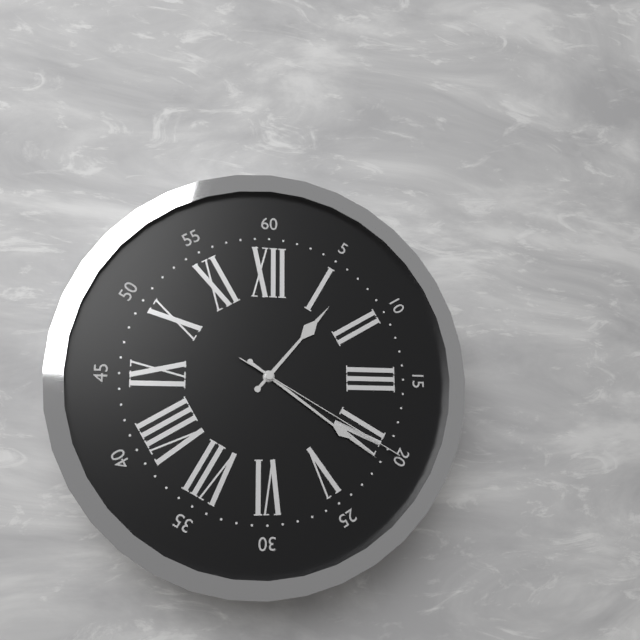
1:21:20
